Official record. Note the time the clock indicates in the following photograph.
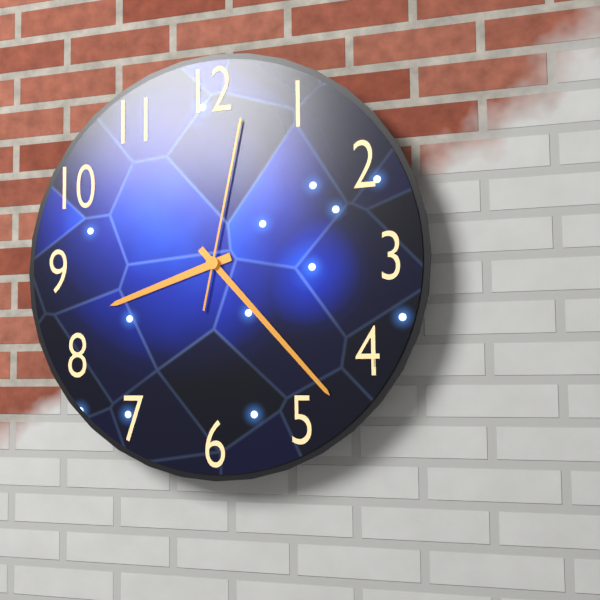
8:23:02
